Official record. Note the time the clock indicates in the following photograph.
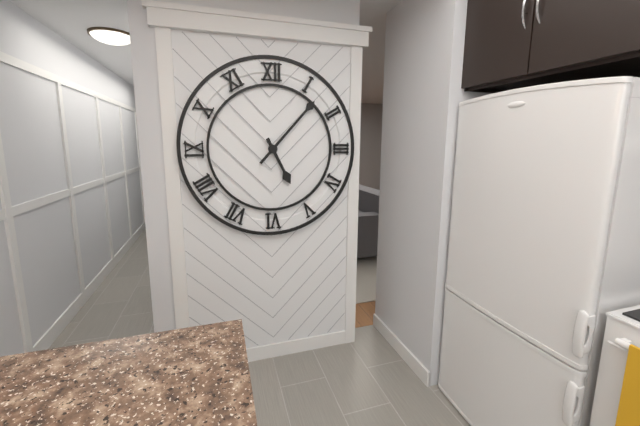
5:07
